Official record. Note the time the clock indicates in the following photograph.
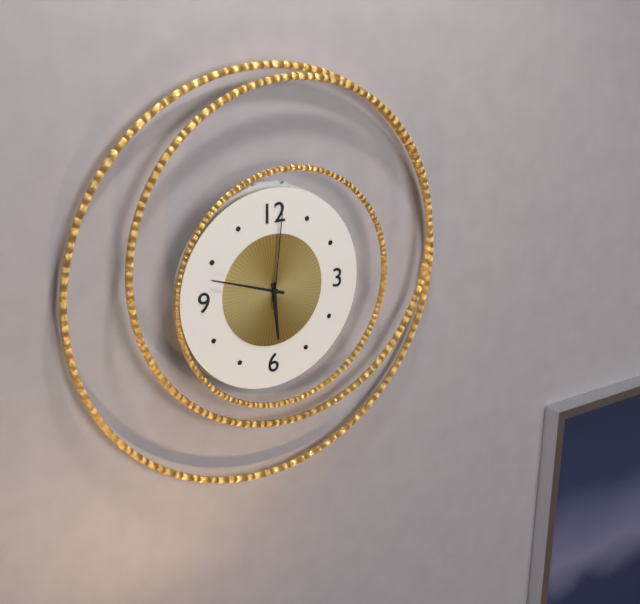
5:48:01
